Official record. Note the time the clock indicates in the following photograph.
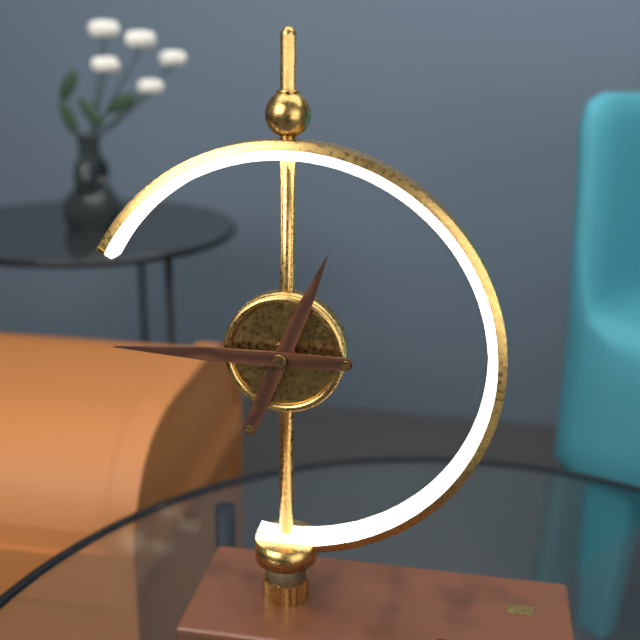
12:45
